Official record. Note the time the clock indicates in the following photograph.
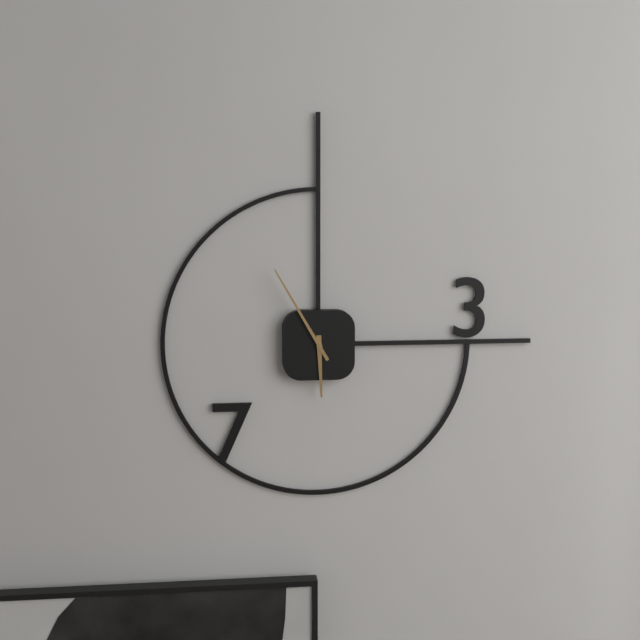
5:55
